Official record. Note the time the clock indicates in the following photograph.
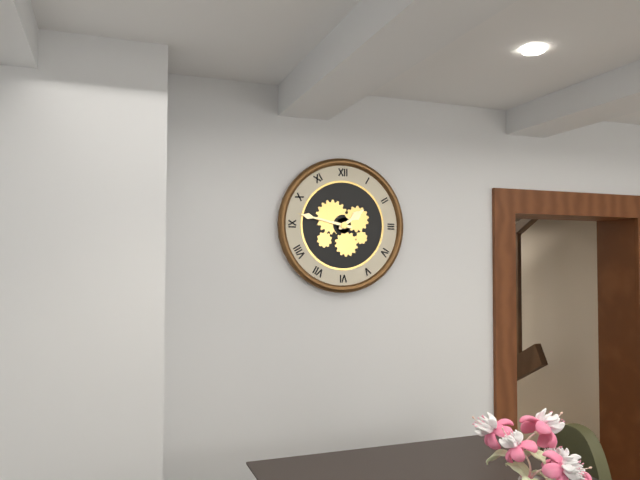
1:47
